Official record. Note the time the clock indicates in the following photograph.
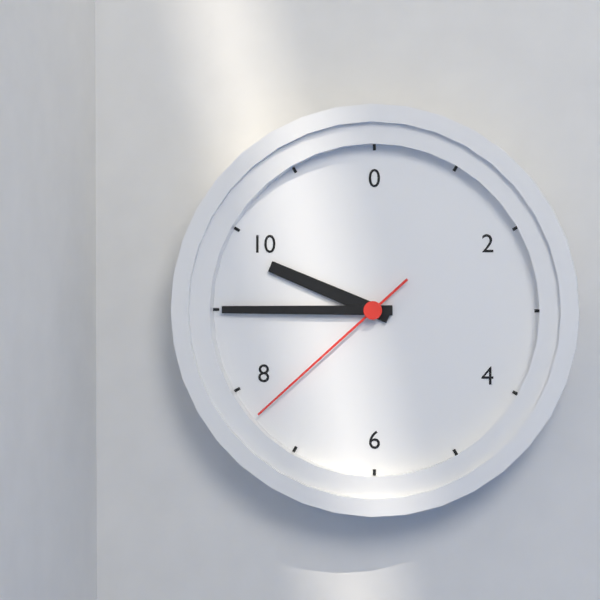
9:45:38
